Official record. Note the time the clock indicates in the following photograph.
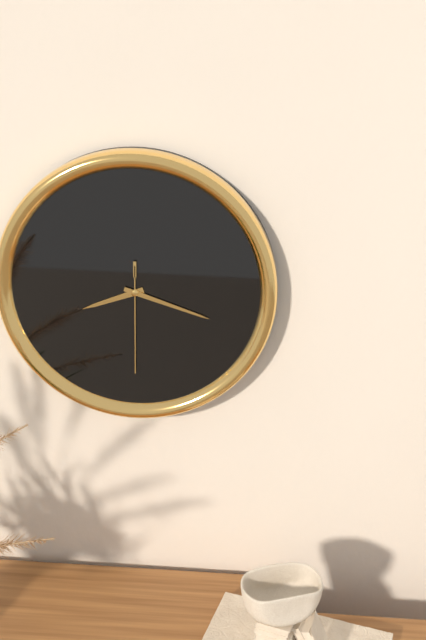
8:18:30
